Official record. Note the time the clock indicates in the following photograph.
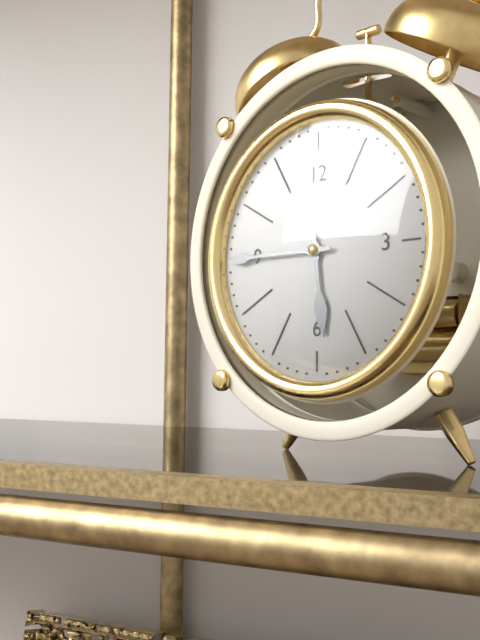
5:45
